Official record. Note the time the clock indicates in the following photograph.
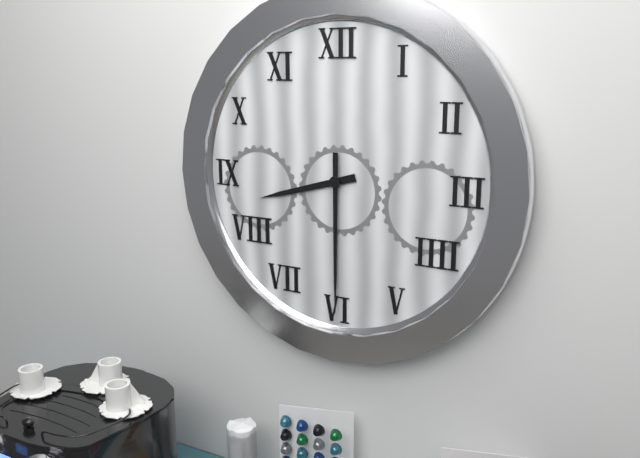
8:30
